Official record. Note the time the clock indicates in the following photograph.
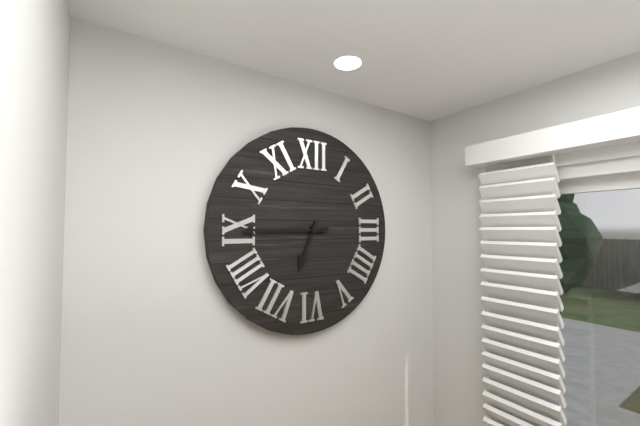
6:45
